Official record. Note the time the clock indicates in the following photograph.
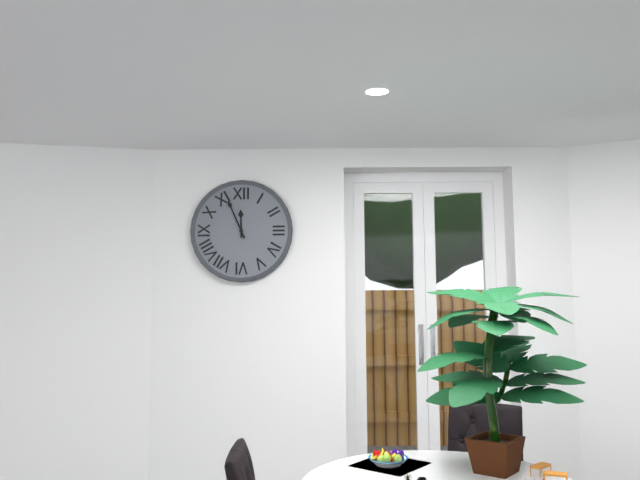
11:56
